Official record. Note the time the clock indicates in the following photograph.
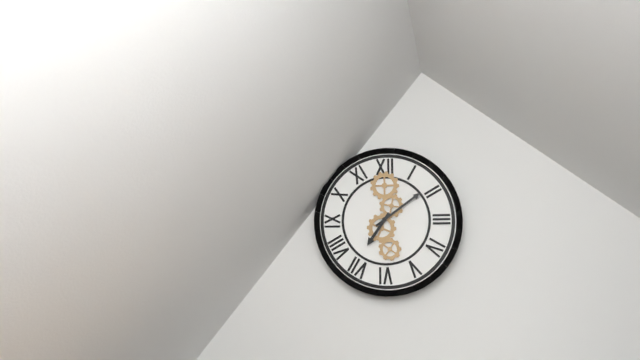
7:09
